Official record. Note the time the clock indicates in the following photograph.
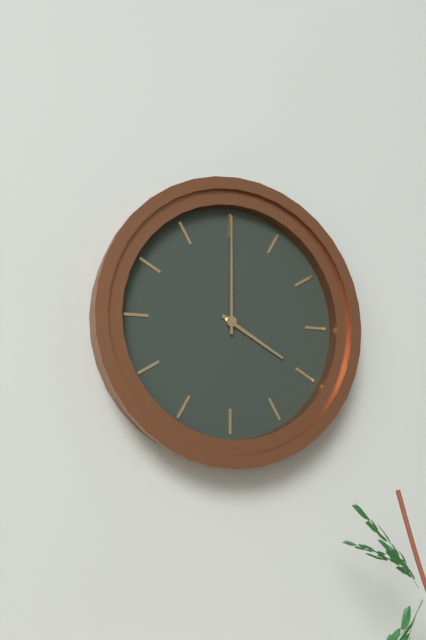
4:00
